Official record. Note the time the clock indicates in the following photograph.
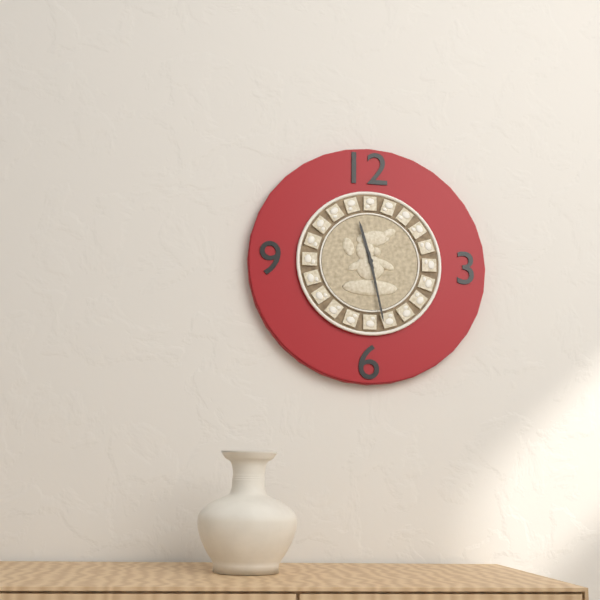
11:28
